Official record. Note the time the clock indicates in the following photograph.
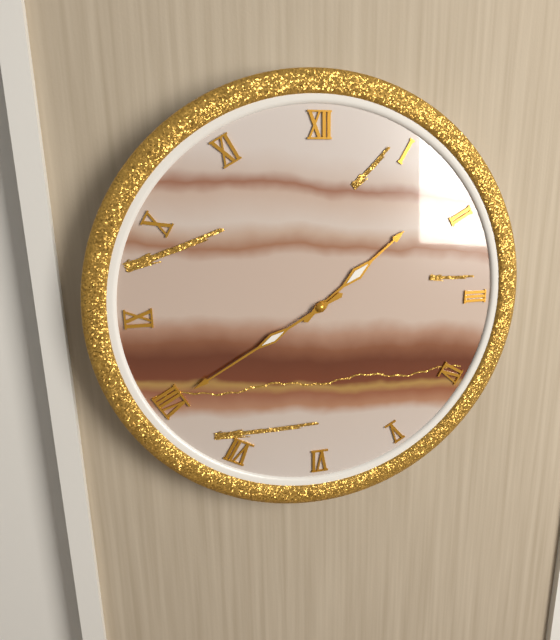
1:40
